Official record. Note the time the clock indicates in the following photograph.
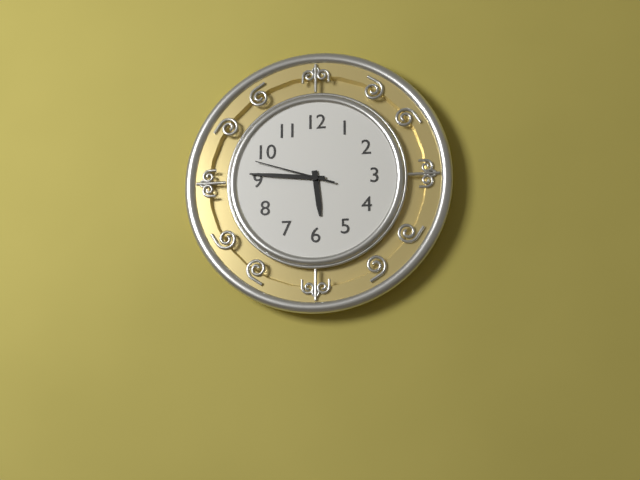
5:46:48
